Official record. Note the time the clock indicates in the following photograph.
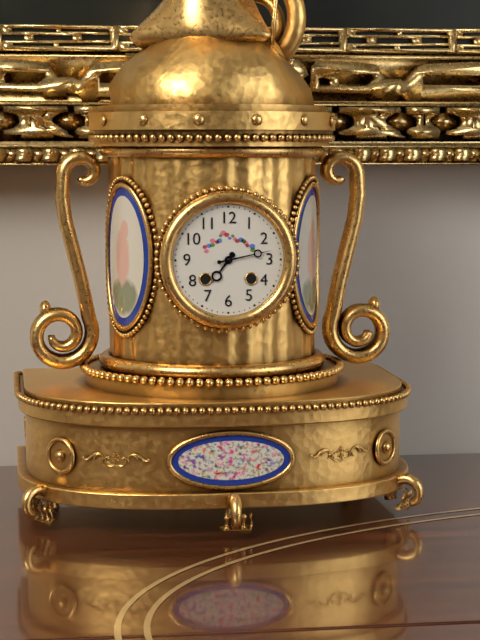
7:13
